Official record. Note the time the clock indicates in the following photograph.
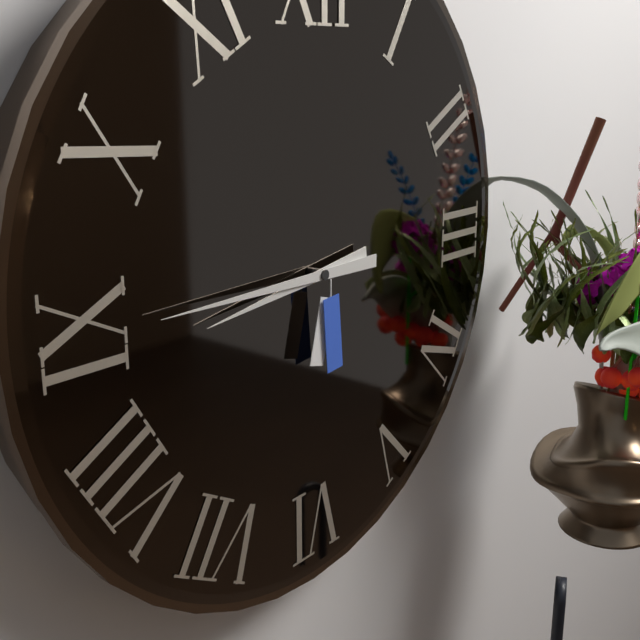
8:45
